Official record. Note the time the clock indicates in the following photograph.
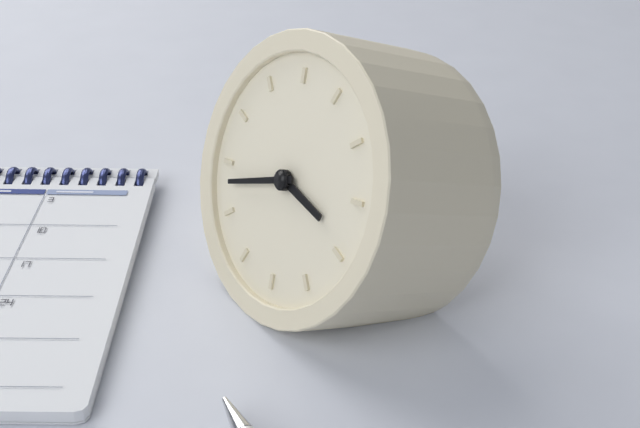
3:43
